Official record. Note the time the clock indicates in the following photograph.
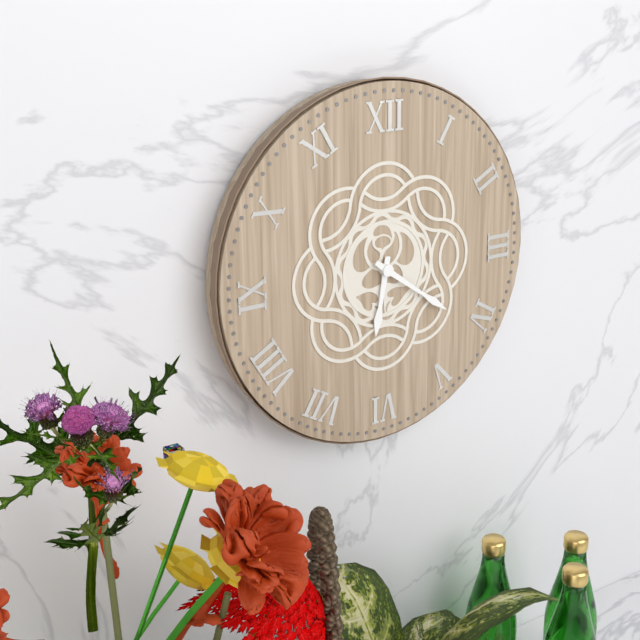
6:21
